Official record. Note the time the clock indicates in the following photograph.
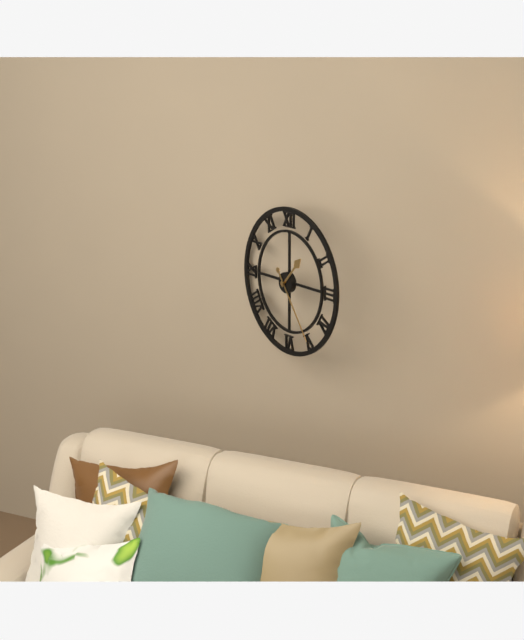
1:24
